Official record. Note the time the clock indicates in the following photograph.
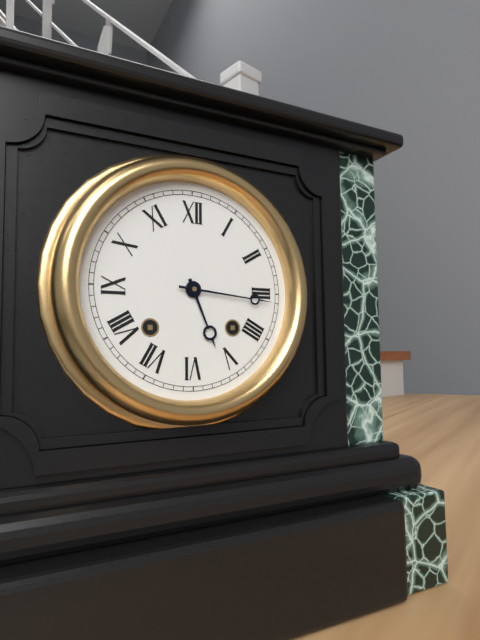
5:16
